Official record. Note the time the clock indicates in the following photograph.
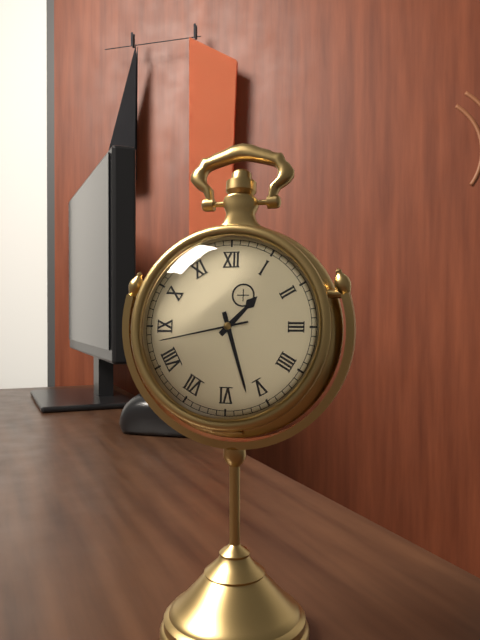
1:27:43
